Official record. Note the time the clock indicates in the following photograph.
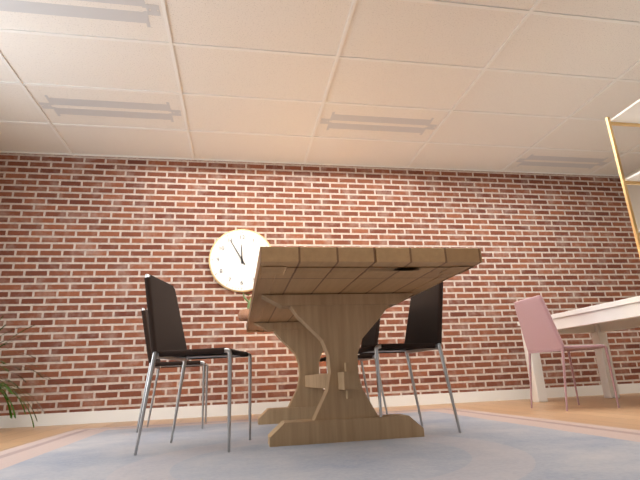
11:55
